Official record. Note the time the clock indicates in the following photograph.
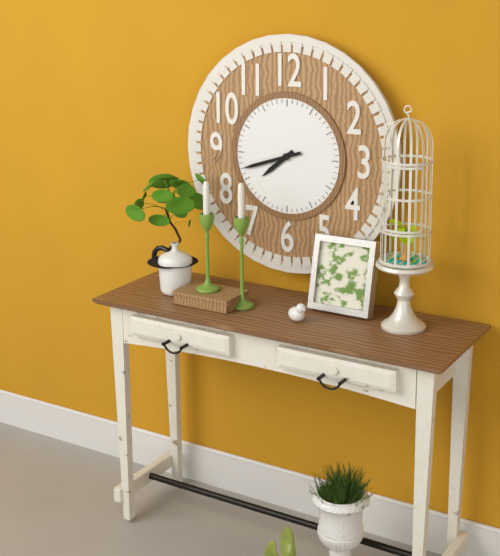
7:42
